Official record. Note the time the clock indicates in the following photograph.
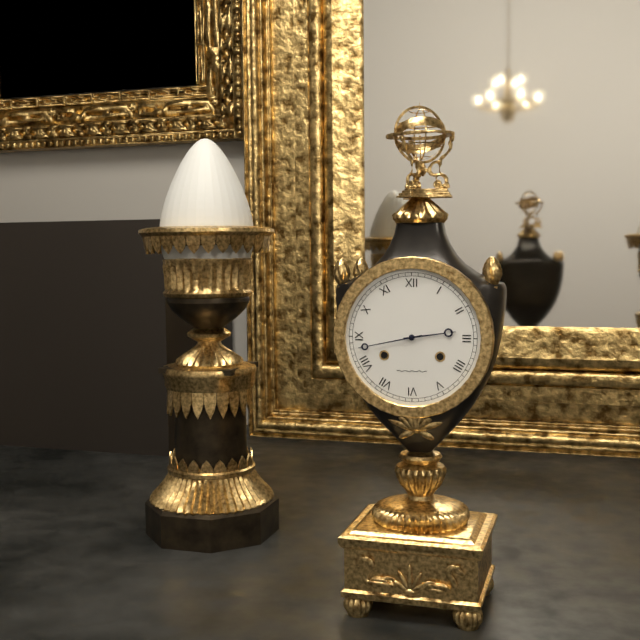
2:43
